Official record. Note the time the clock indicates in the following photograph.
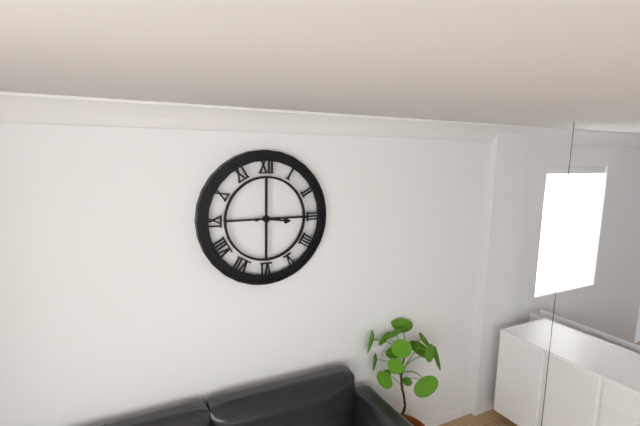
3:15
